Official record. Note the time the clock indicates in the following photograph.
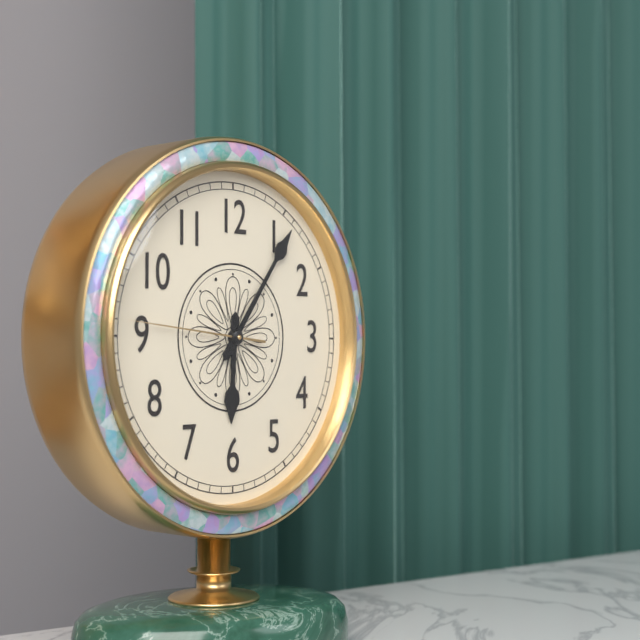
6:06:46
